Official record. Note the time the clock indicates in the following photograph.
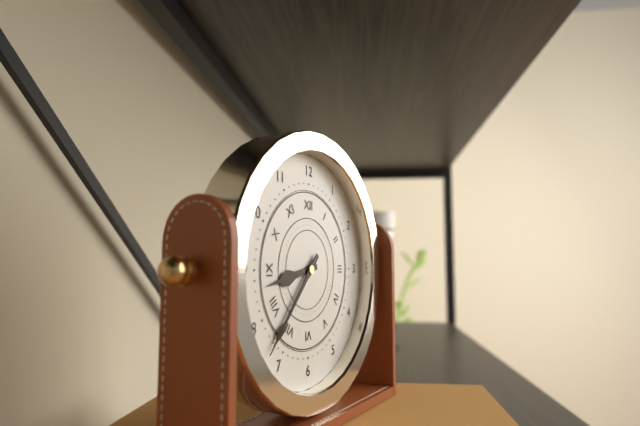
8:37
